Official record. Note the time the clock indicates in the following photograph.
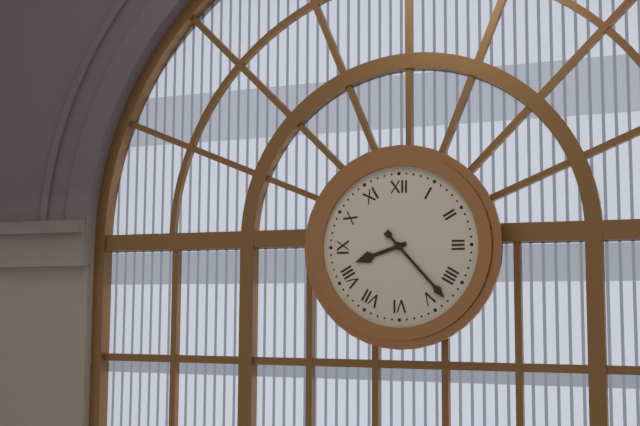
8:23
